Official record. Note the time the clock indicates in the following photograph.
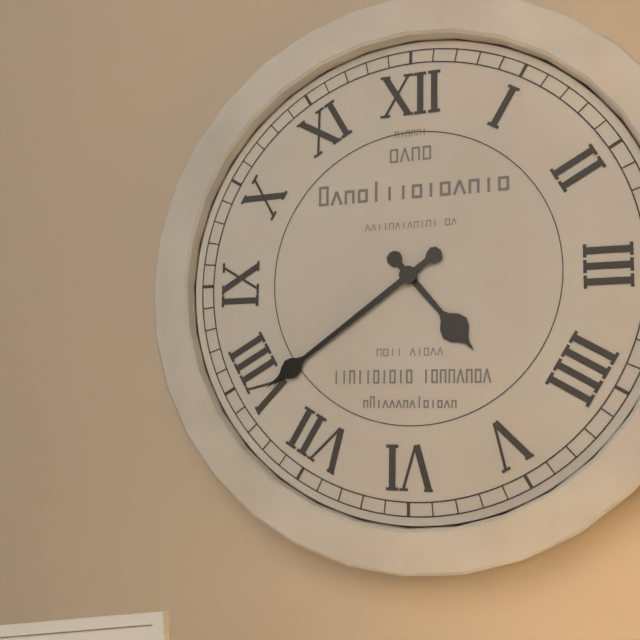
4:39
